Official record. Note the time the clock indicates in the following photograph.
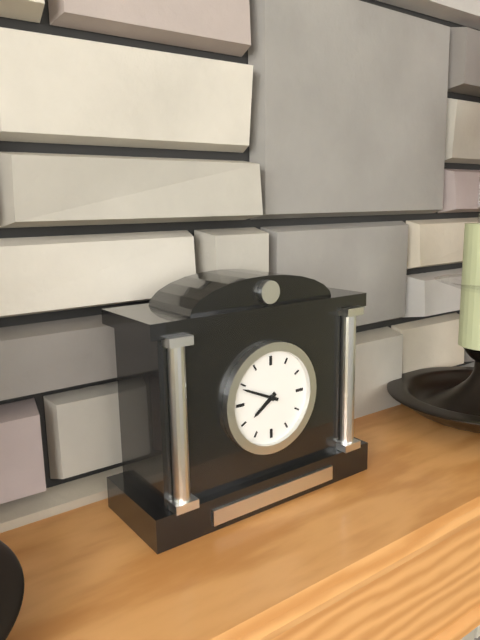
7:49
